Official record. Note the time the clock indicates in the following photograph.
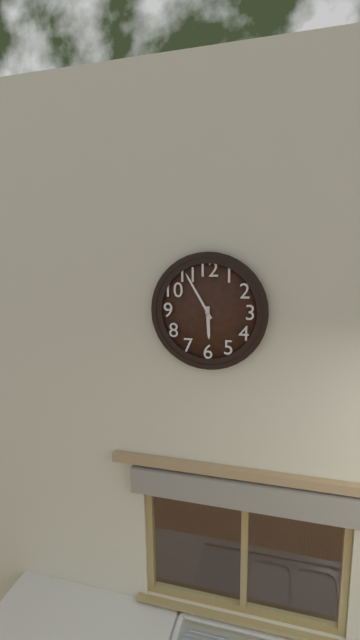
5:55
